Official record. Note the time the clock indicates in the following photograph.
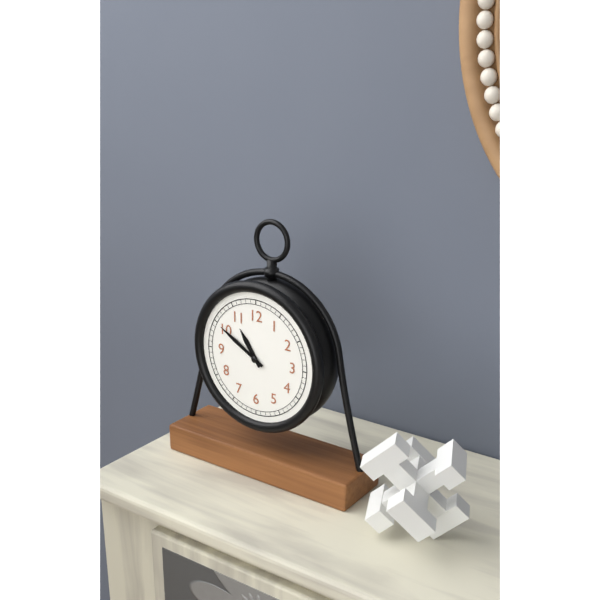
10:50
